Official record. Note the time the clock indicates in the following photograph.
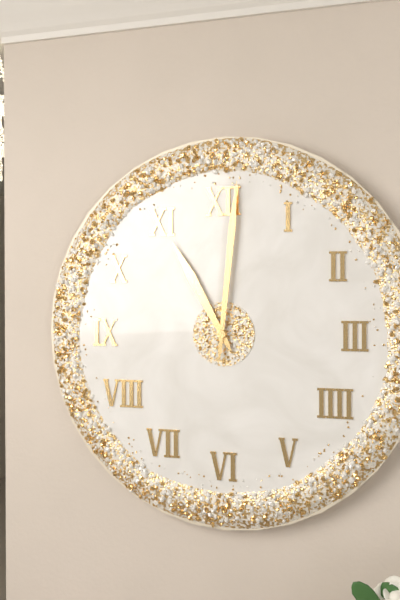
11:01
